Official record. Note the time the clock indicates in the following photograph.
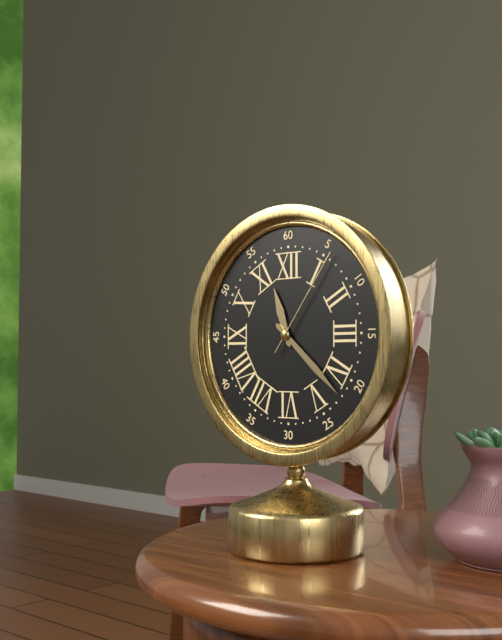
11:22:06
